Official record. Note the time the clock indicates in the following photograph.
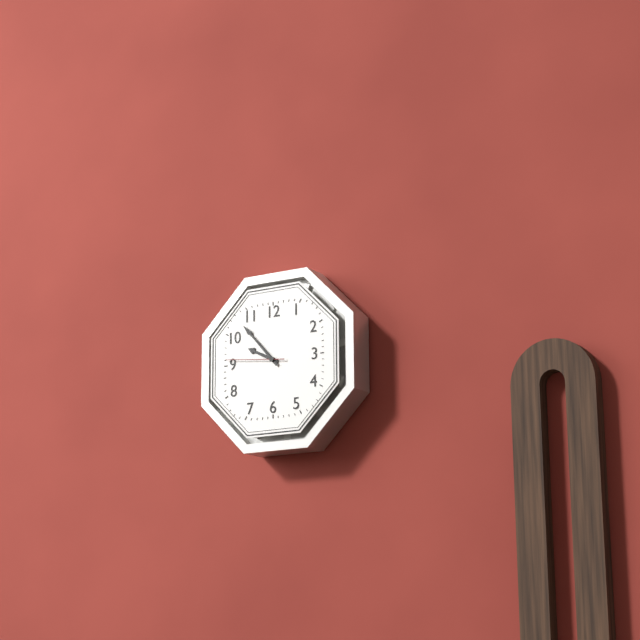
9:53:46
